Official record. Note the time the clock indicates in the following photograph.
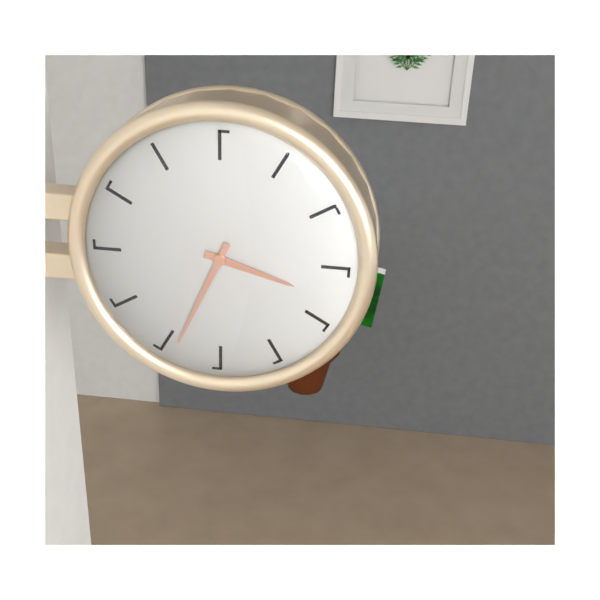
3:34
